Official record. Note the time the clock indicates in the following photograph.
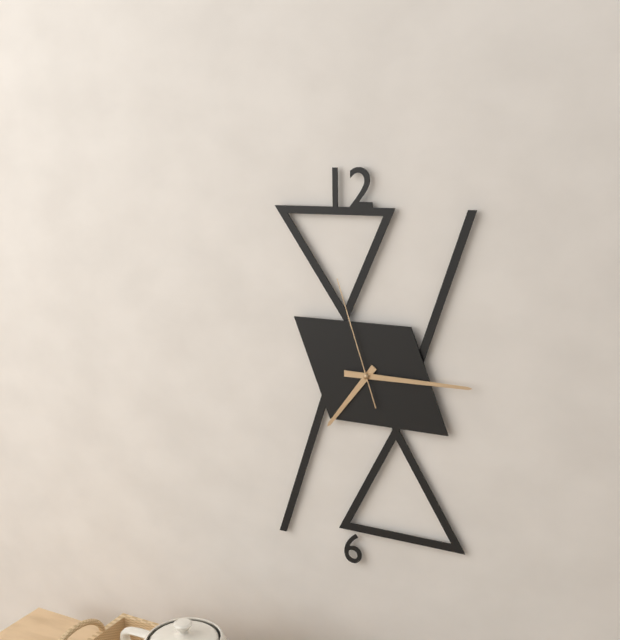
7:15:57
